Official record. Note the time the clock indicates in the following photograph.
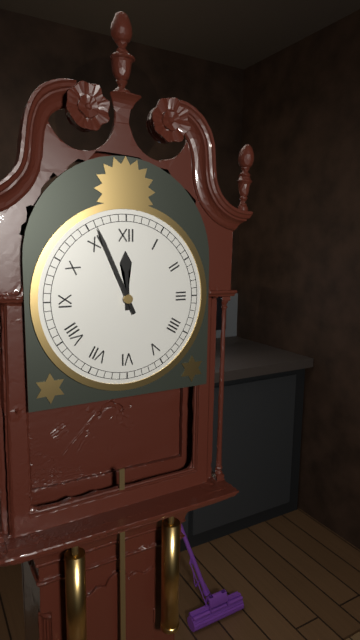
11:56
